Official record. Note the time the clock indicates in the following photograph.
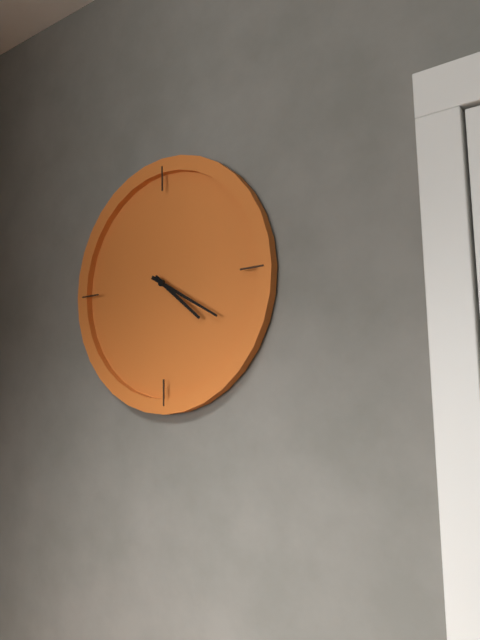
4:20
